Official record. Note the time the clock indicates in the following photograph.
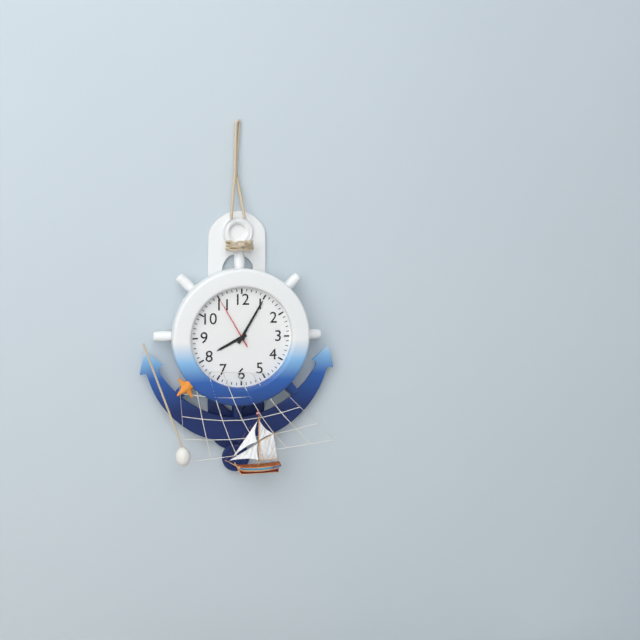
8:05
